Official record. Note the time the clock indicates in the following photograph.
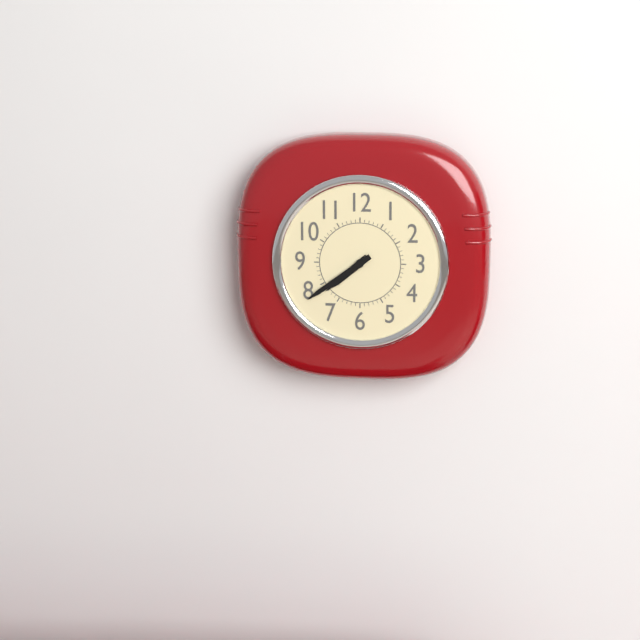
7:39
